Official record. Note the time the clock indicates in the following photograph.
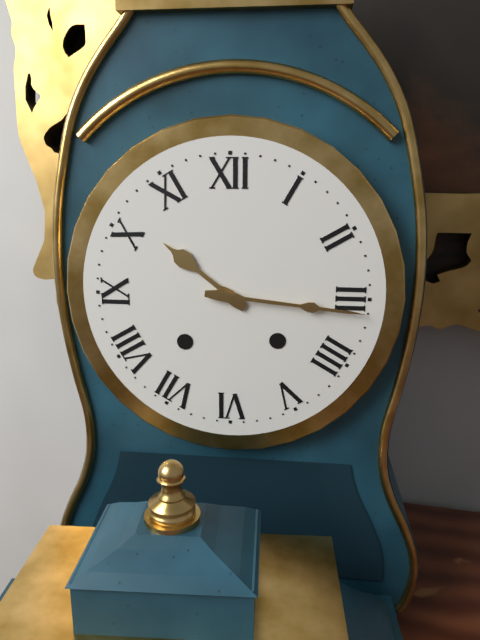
10:16
